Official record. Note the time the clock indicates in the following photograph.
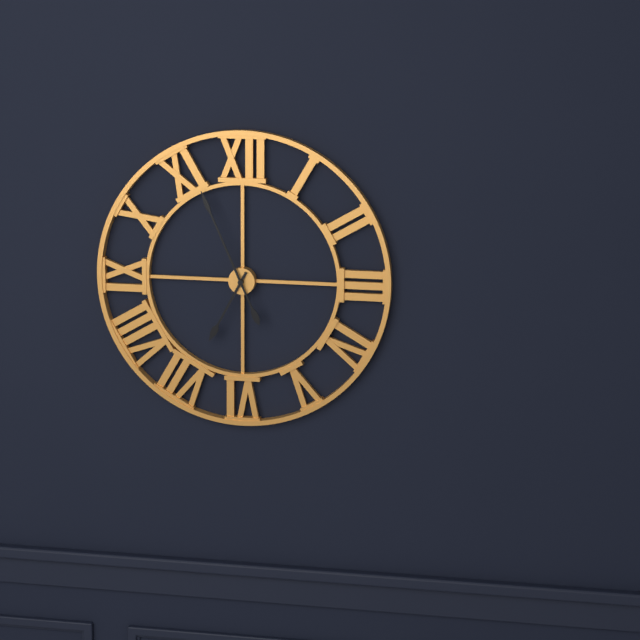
6:56
